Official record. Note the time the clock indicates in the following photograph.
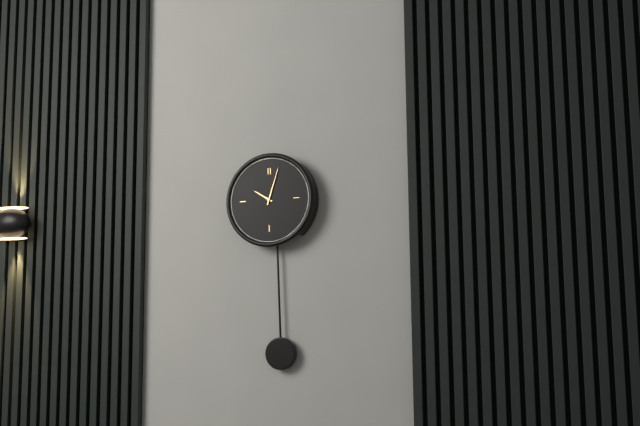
10:03
